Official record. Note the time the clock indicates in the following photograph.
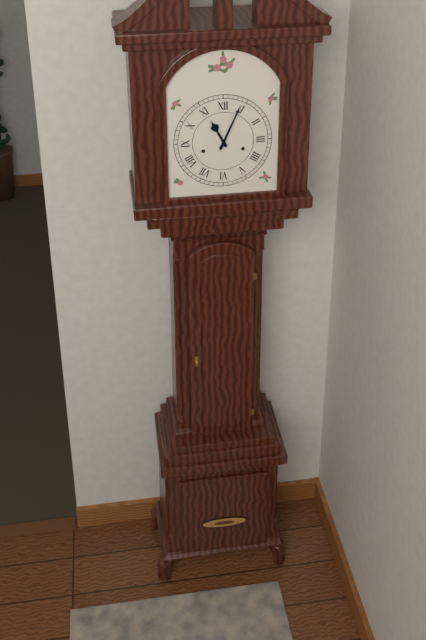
11:04
